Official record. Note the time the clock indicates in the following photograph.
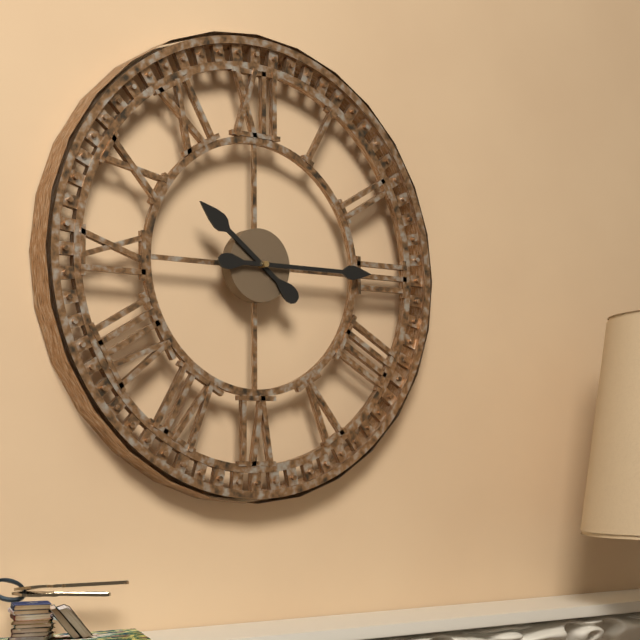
10:15
